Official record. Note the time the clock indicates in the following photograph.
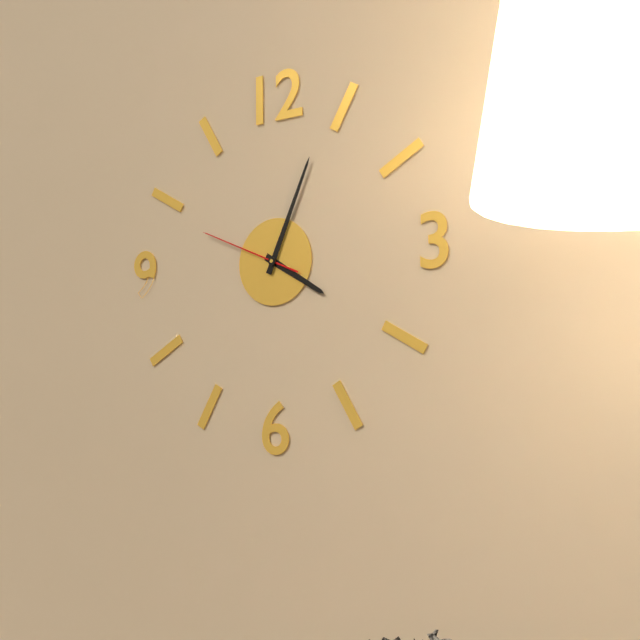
4:04:49
